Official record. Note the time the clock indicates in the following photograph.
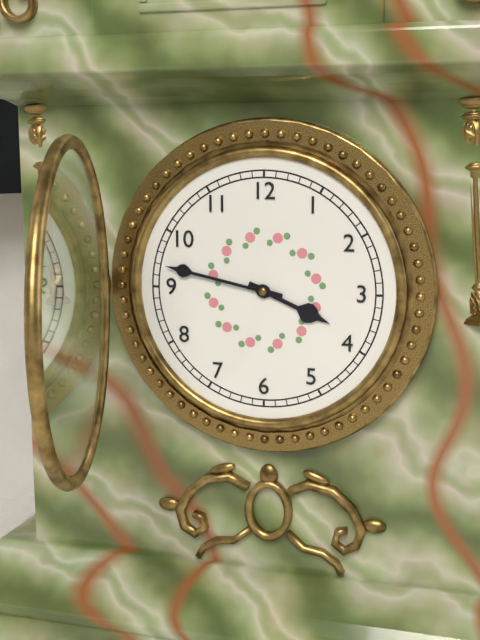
3:47
